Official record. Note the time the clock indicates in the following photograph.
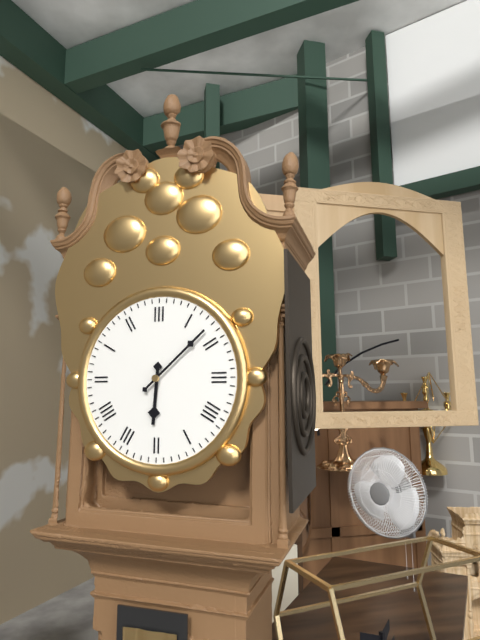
6:08
